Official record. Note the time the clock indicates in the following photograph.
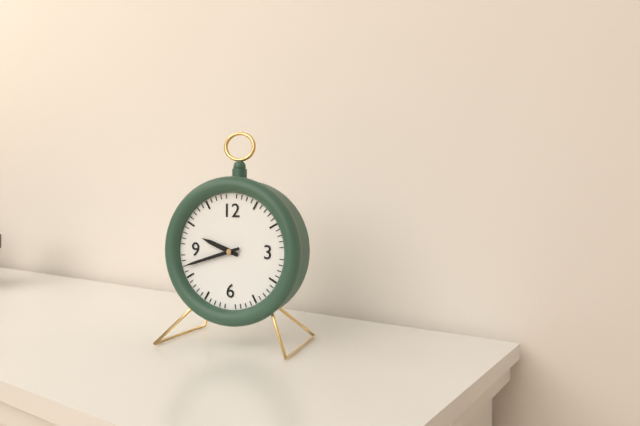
9:42
